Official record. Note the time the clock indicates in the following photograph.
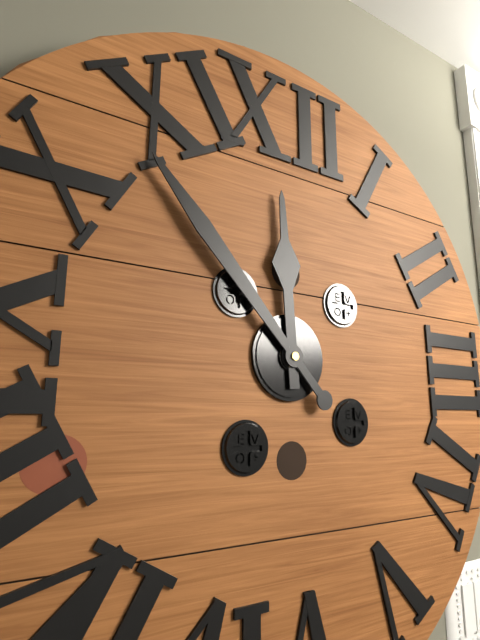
11:53
